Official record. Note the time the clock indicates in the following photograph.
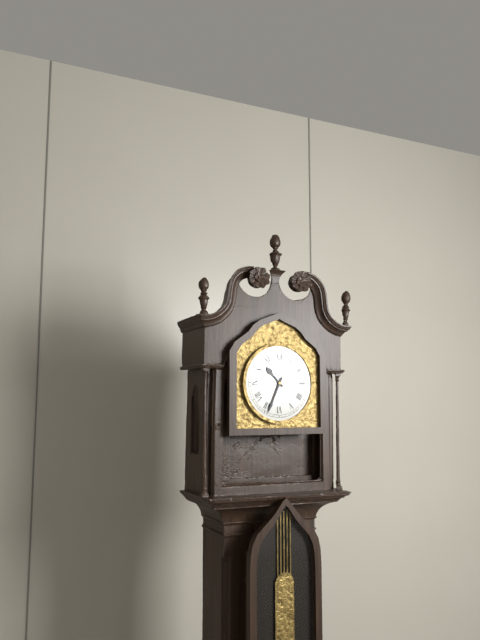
10:34
